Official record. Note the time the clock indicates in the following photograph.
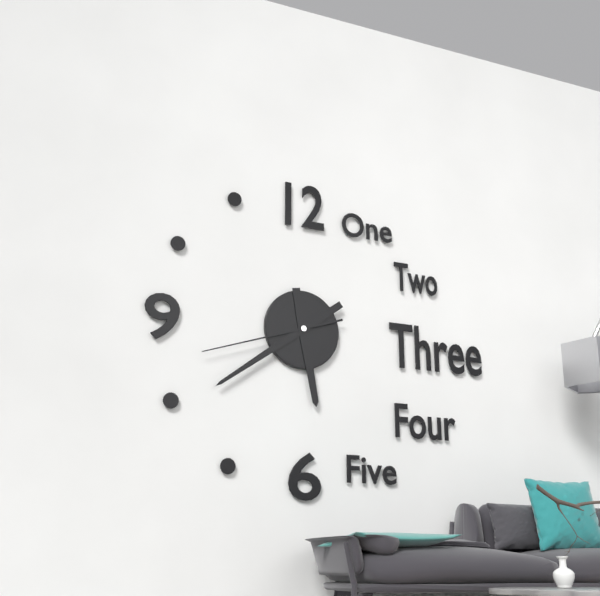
5:39:42
